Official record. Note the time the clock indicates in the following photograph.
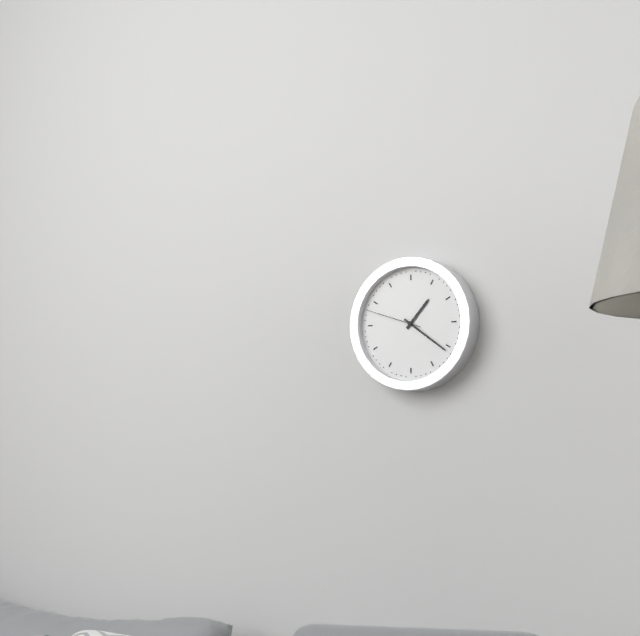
1:21:48
